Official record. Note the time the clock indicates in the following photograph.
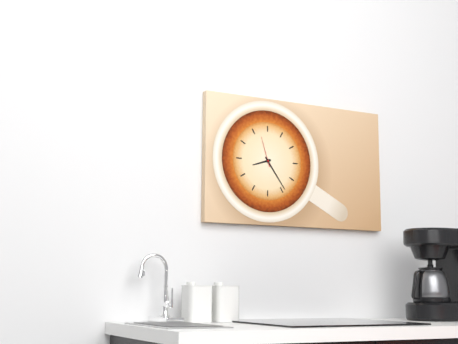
8:24
